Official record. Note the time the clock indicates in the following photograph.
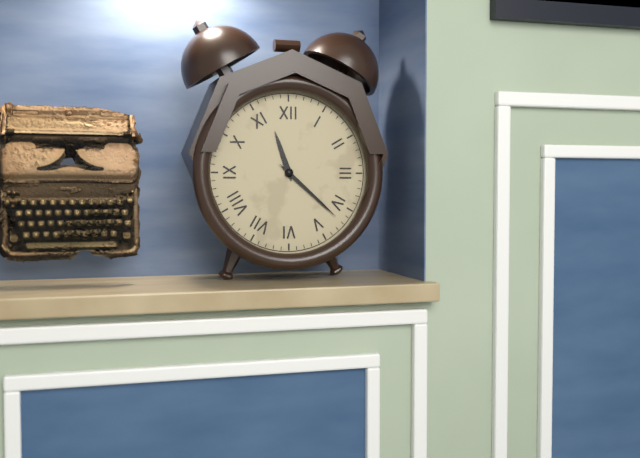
11:22
